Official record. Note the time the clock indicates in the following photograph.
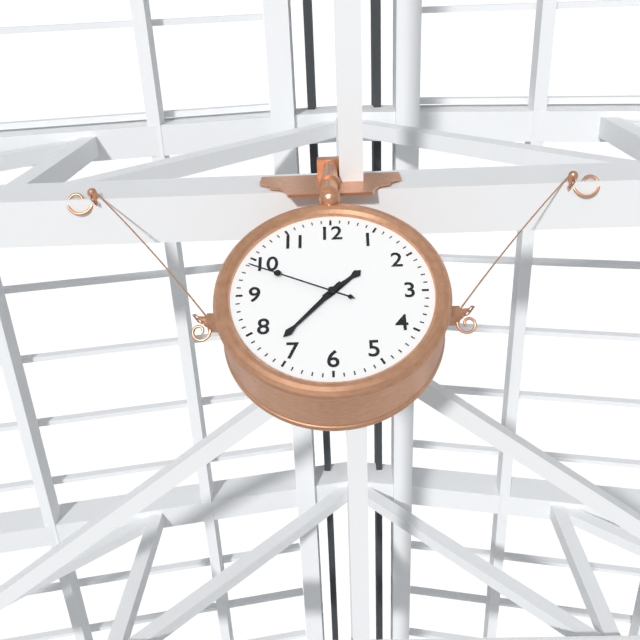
1:37:49
